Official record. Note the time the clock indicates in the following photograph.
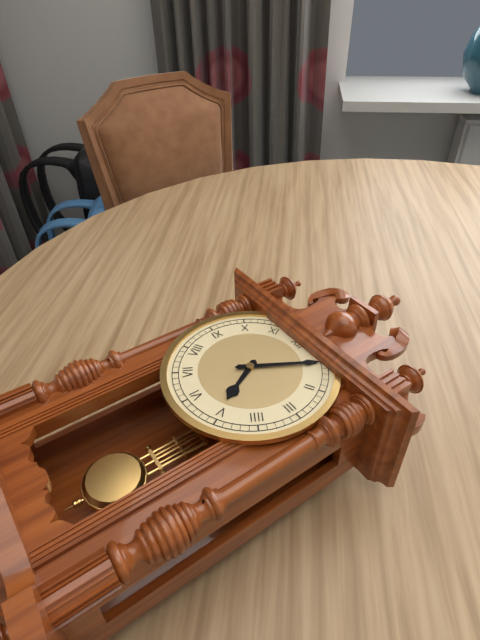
5:05
